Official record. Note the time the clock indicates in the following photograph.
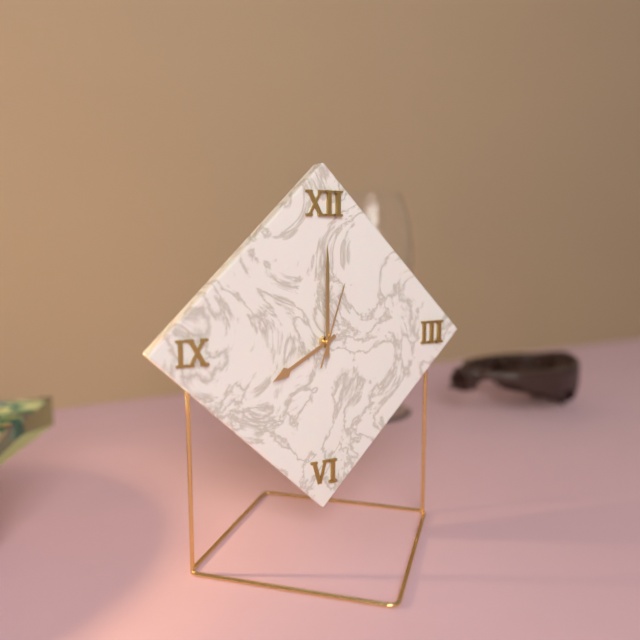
8:00:03
